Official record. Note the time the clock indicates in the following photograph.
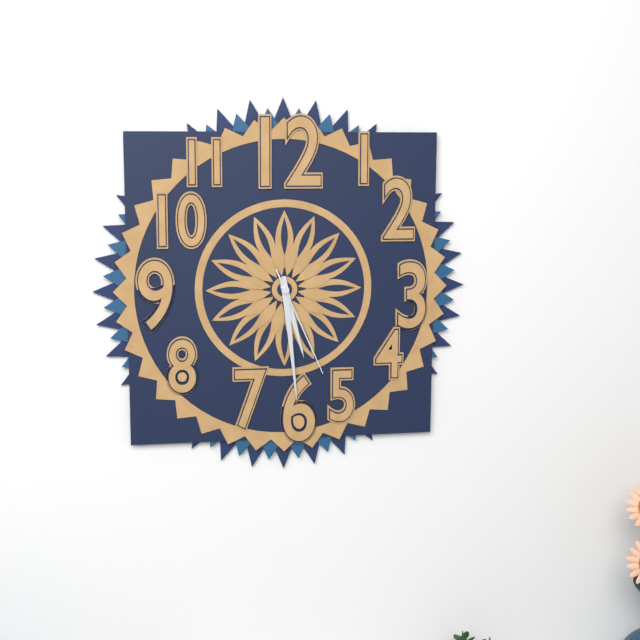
5:29:26
